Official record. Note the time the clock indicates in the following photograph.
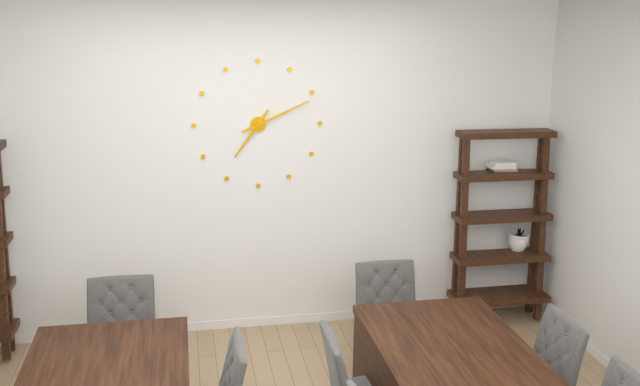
7:11
